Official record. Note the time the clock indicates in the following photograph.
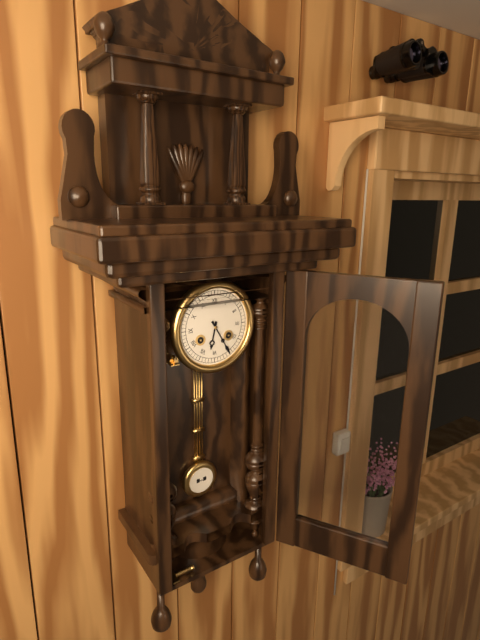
6:25
